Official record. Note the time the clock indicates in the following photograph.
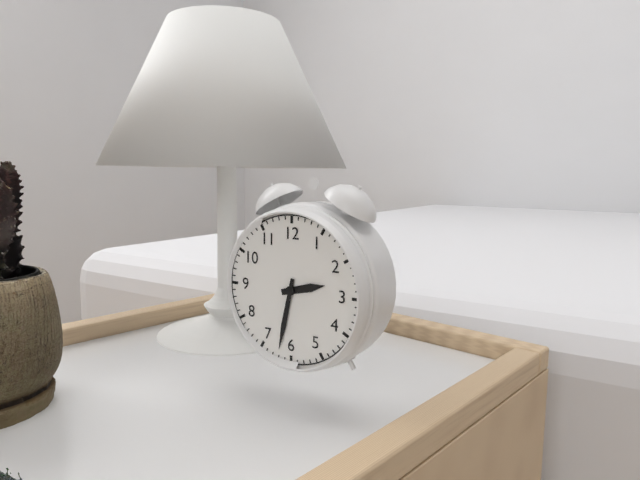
2:32
